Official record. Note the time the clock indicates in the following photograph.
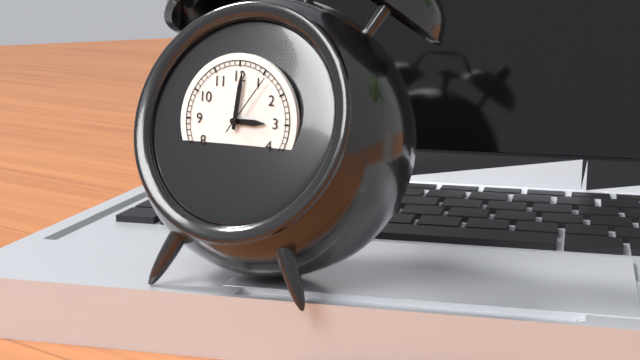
3:01:06
